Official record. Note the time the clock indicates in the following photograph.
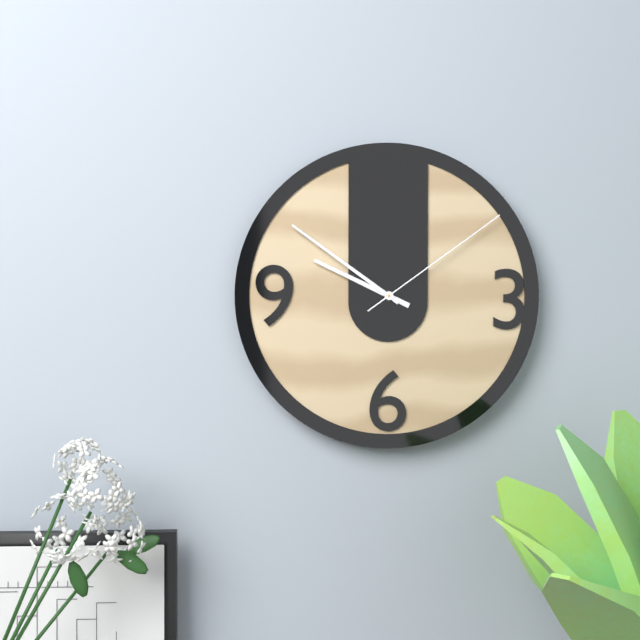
9:51:09
